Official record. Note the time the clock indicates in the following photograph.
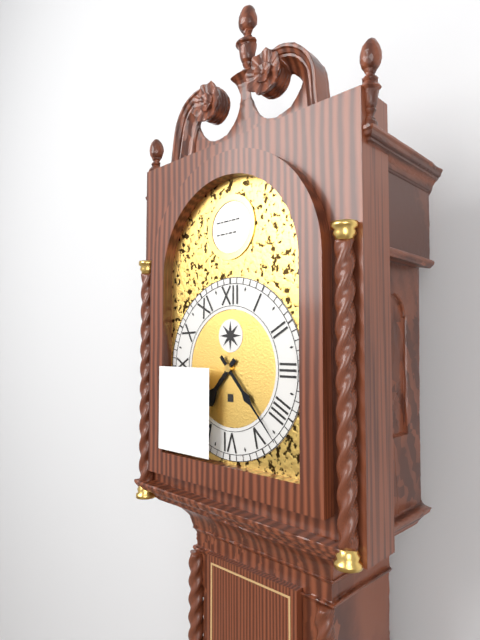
7:23
